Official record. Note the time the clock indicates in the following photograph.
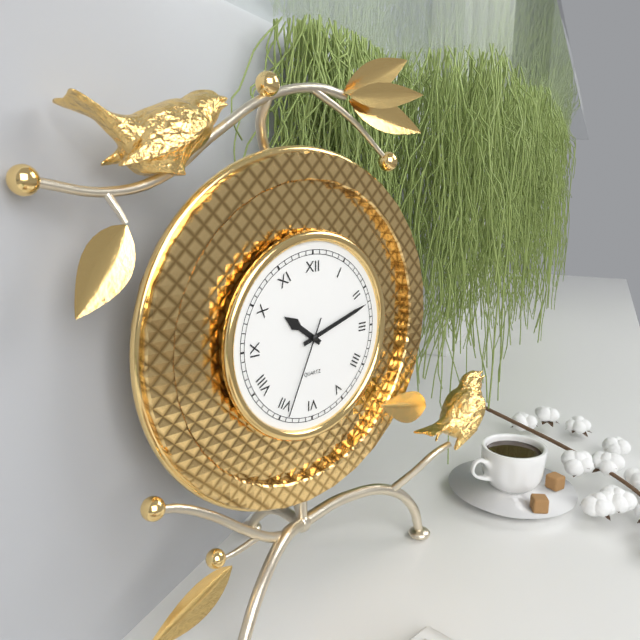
10:12:34
